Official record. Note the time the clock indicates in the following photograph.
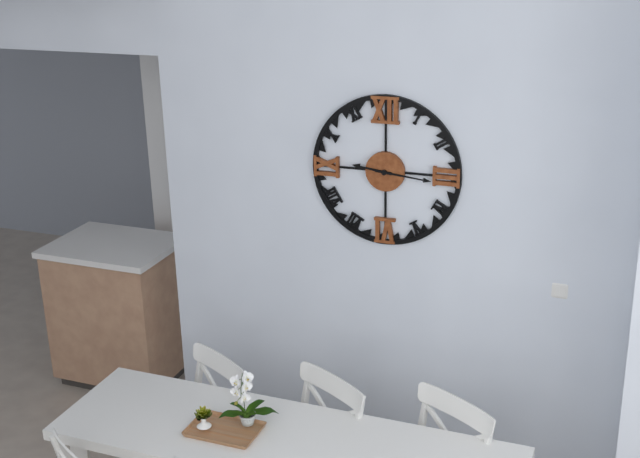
9:16
